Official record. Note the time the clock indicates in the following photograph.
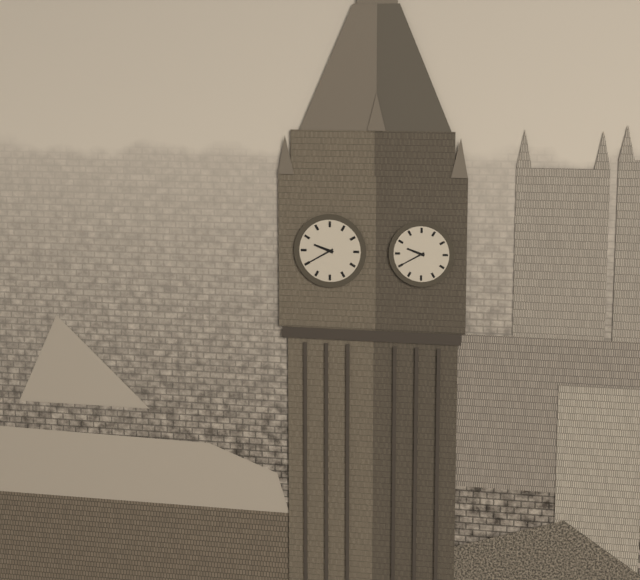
9:40
